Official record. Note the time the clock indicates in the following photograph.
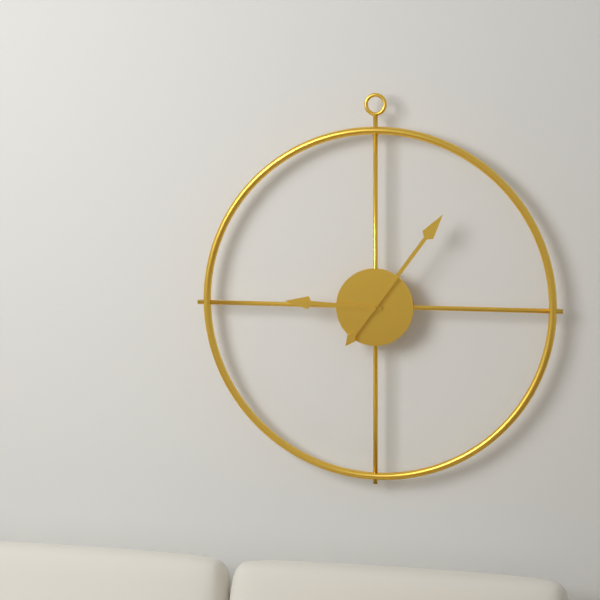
9:06
